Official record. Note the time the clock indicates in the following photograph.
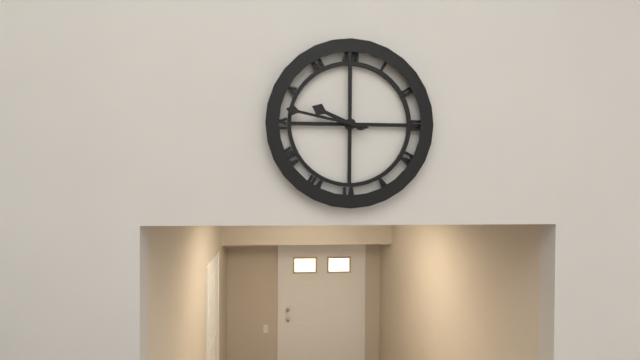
9:47
